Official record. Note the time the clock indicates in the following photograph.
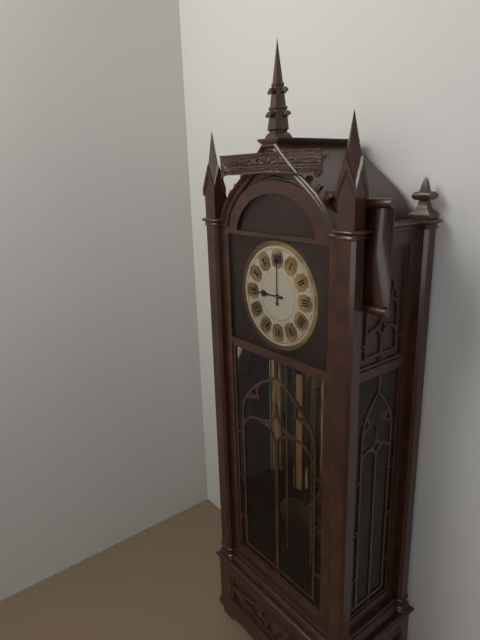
9:00
